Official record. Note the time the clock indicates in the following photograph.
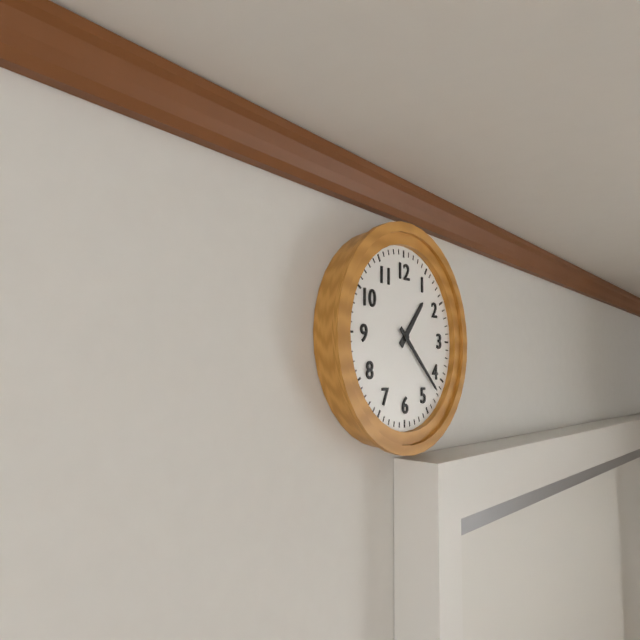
1:22
